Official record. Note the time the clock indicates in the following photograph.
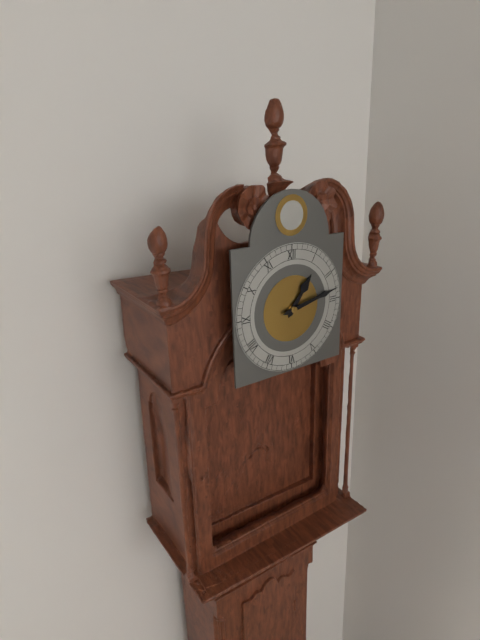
1:13
